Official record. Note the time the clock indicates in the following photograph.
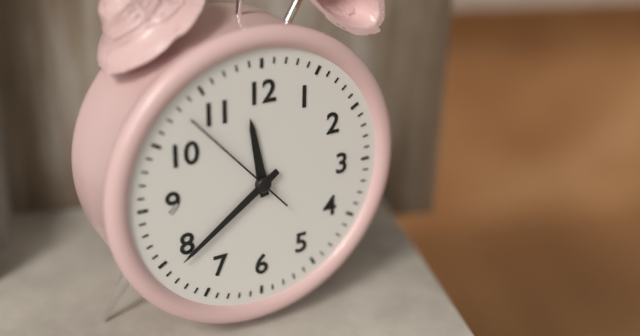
11:39:53
